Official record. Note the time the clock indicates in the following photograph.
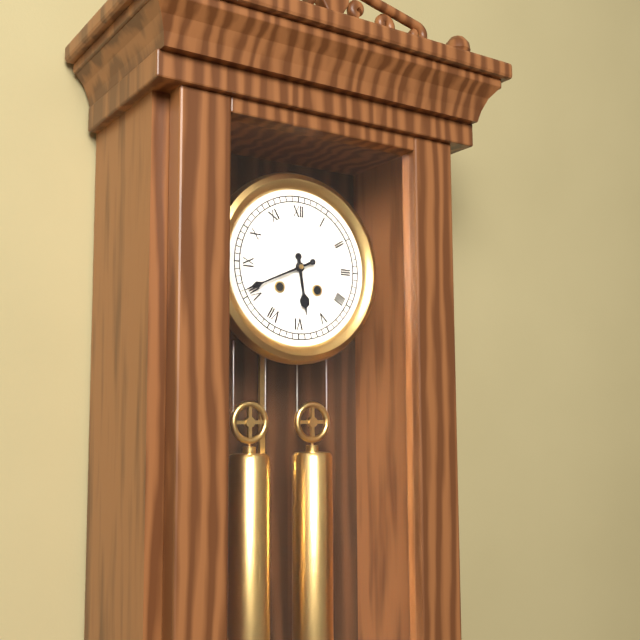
5:41
